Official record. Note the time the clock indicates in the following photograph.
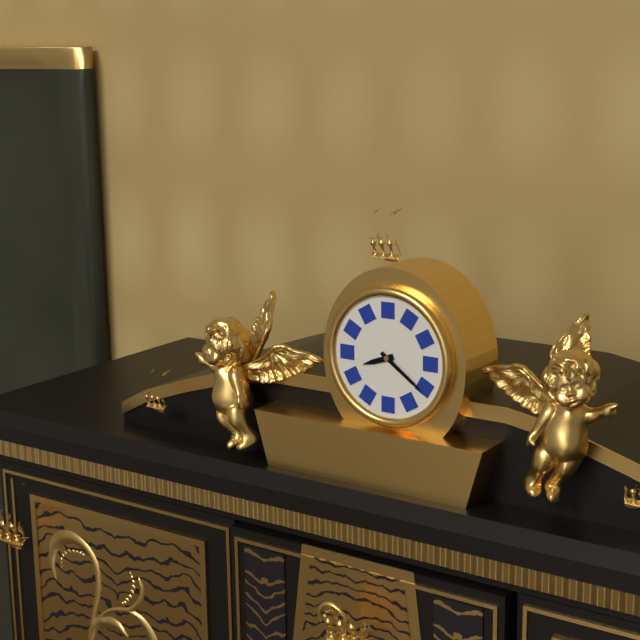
8:21
